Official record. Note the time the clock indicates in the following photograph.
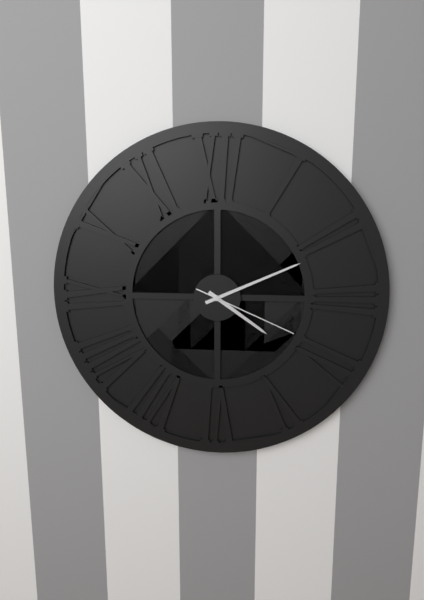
4:11:19
